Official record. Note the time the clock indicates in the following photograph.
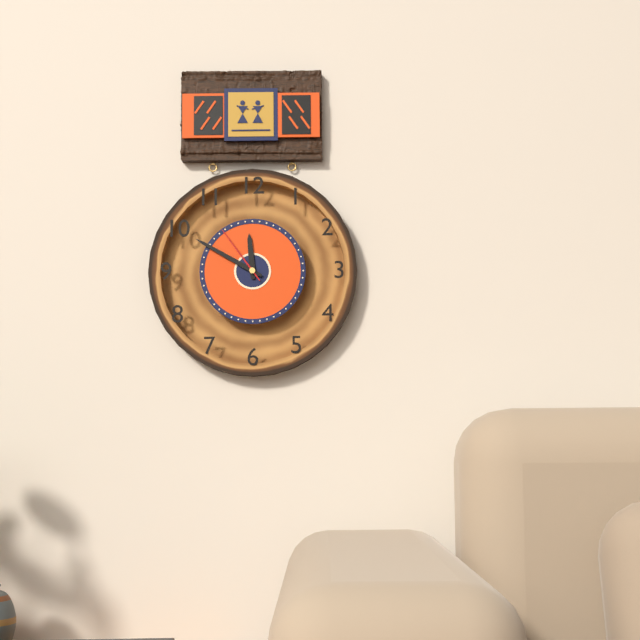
11:50:54
